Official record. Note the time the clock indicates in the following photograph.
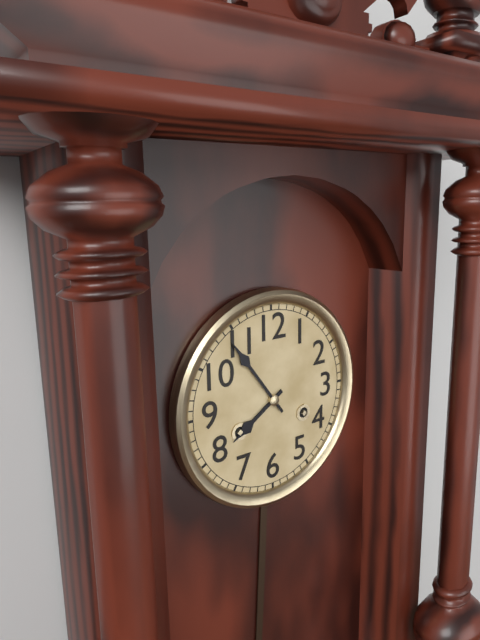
7:54
